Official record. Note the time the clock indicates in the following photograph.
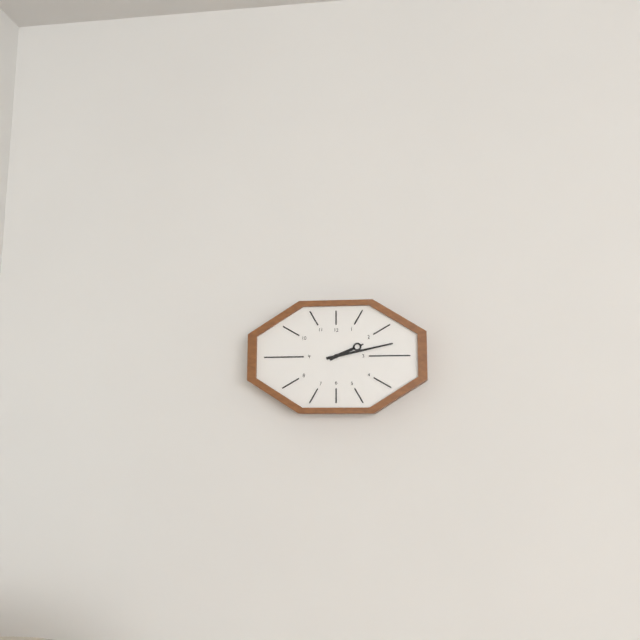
2:13
